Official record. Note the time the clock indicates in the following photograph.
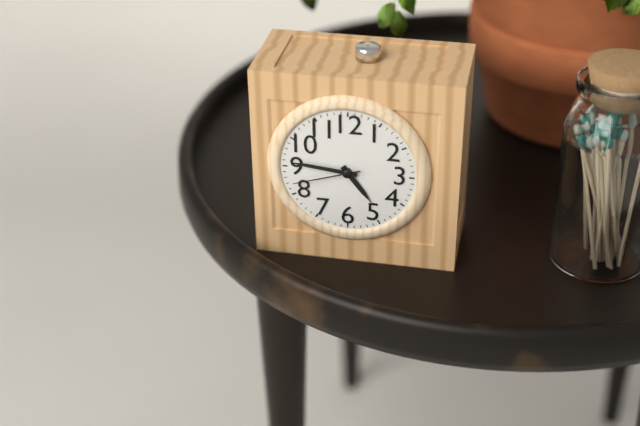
4:46:42
